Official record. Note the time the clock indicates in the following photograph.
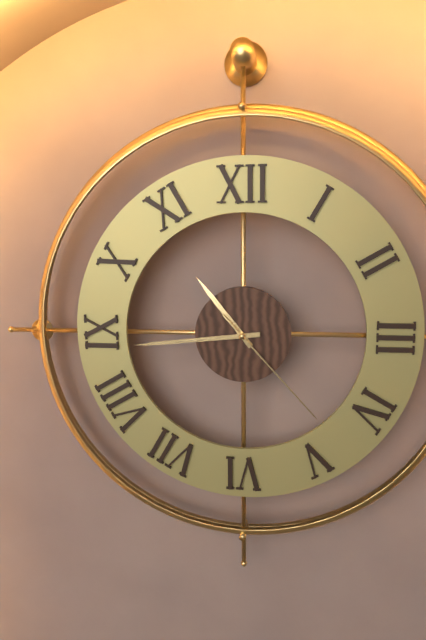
10:44:23
